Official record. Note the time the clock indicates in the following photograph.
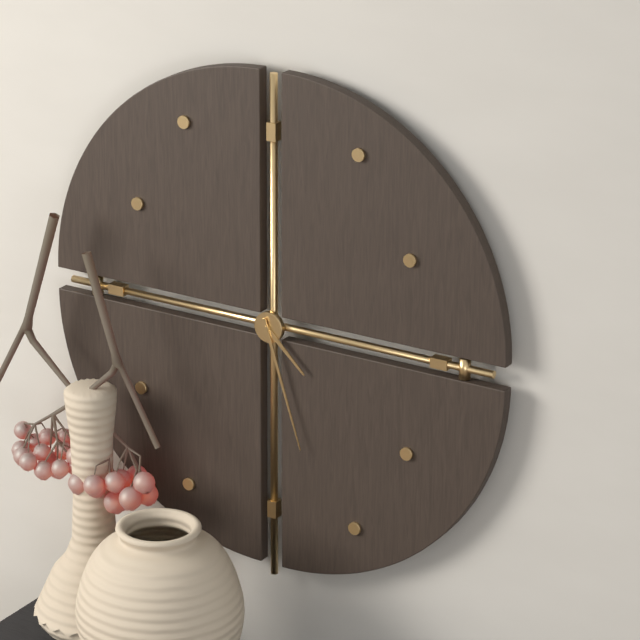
4:27
